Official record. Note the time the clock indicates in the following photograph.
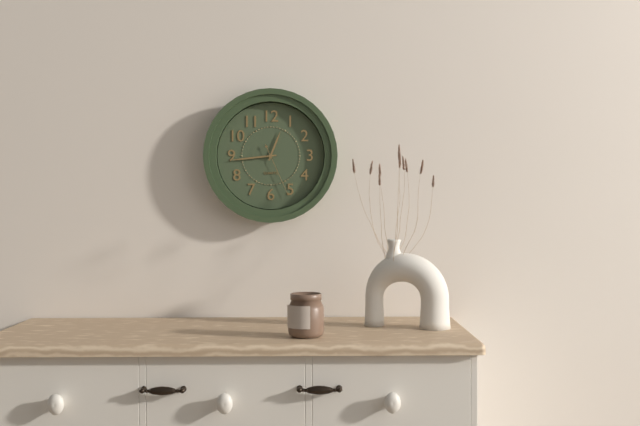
12:44:26
